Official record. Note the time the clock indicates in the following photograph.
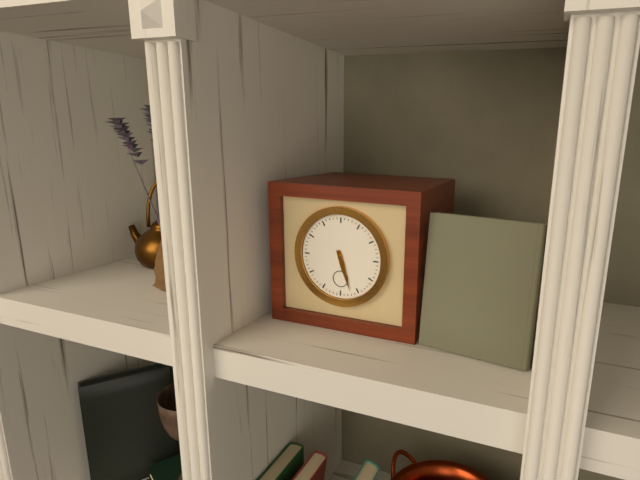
5:27
